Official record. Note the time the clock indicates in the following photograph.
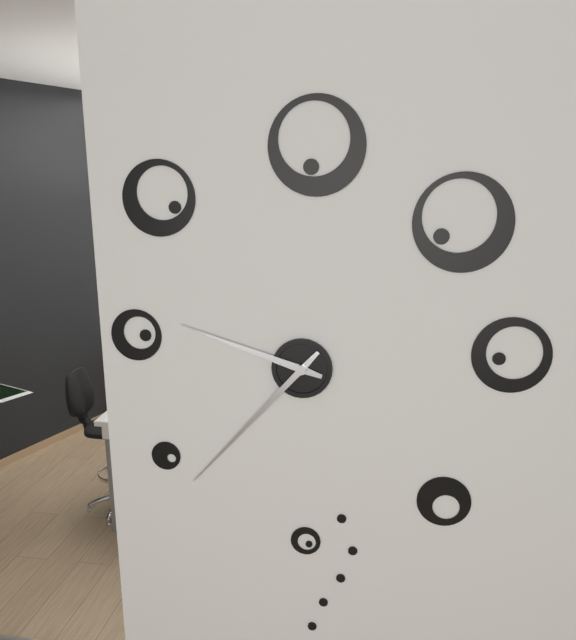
9:37
